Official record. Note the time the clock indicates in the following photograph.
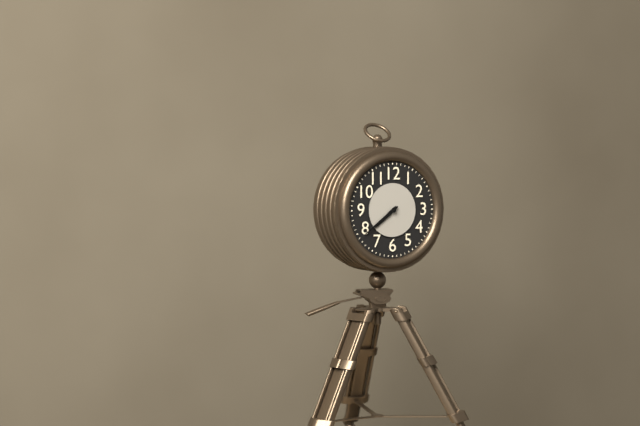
7:39
